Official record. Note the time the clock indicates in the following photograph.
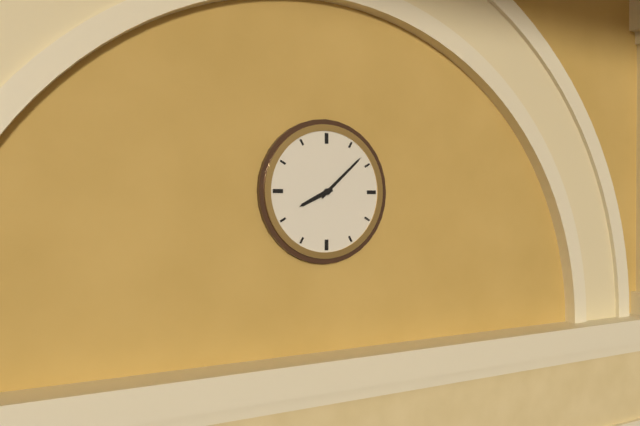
8:08
